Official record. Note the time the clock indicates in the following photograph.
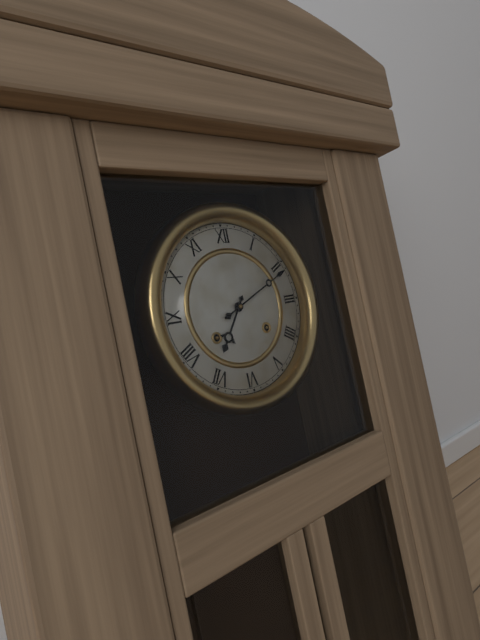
7:11
